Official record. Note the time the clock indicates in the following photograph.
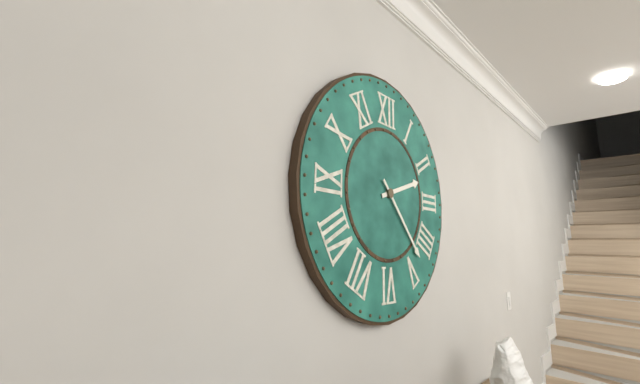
2:23
